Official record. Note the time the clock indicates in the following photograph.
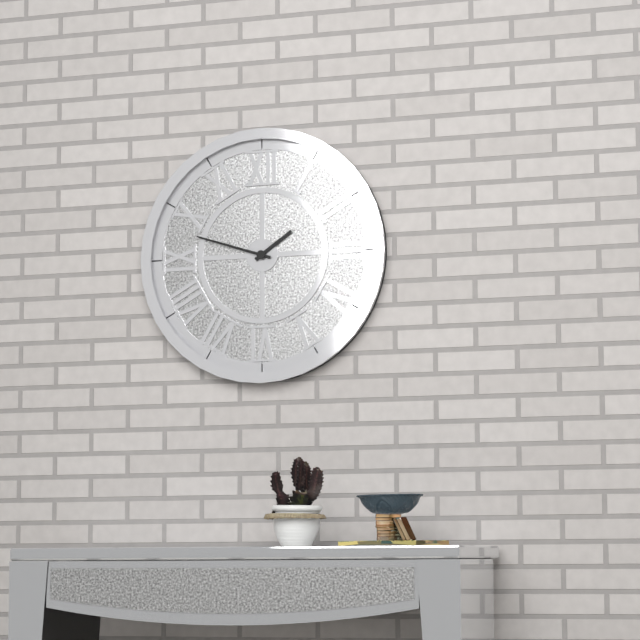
1:48
